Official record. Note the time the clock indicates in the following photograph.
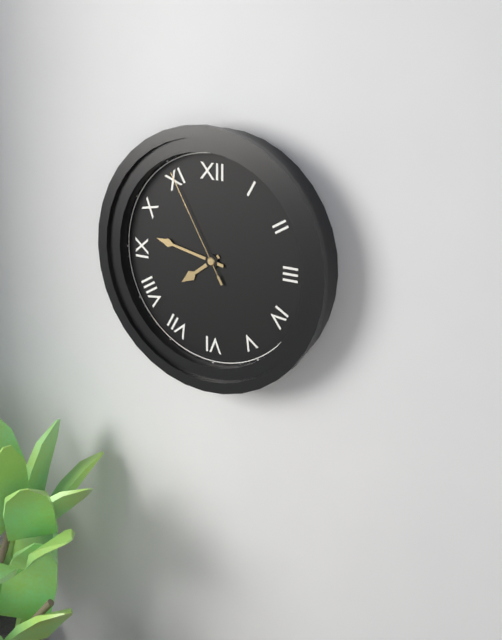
7:47:55
